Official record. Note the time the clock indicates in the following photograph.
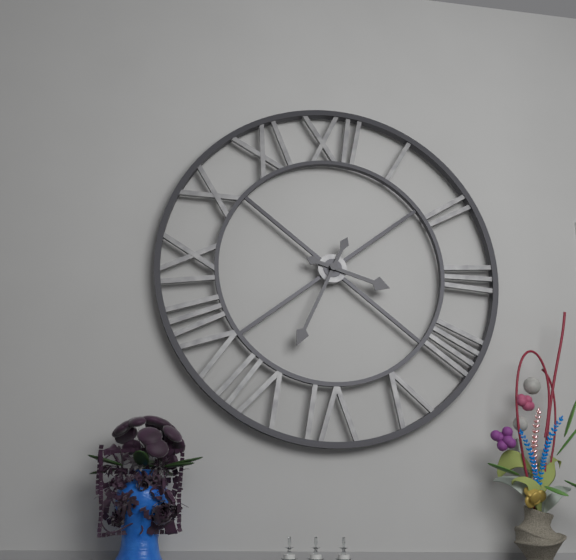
3:34
